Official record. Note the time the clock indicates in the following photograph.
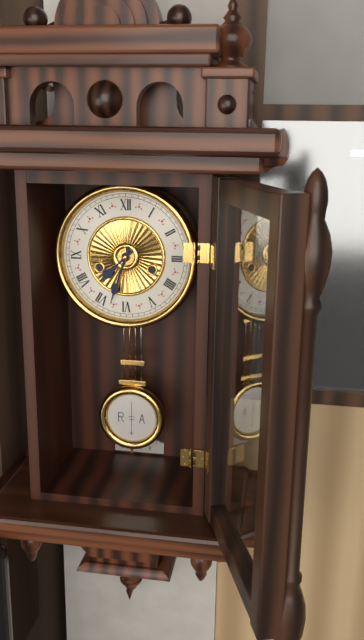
7:33
